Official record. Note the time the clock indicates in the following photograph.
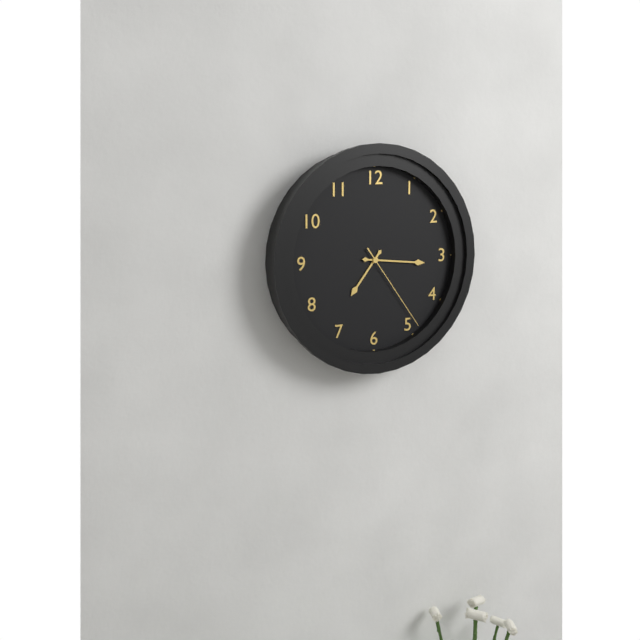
7:16:24
